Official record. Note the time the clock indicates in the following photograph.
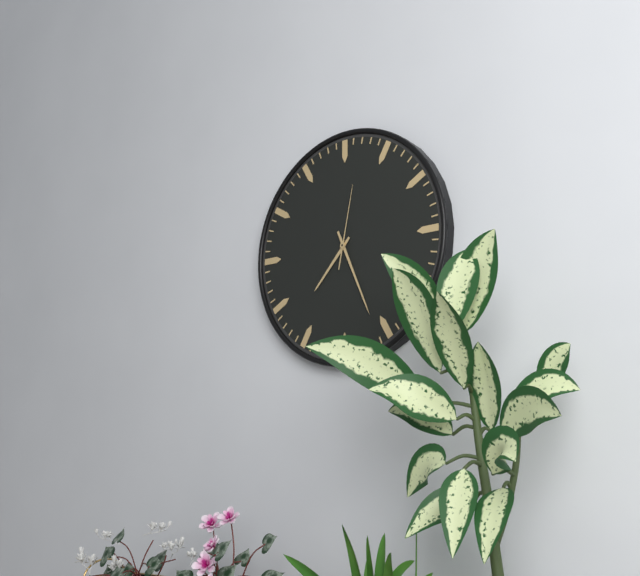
7:26:02
